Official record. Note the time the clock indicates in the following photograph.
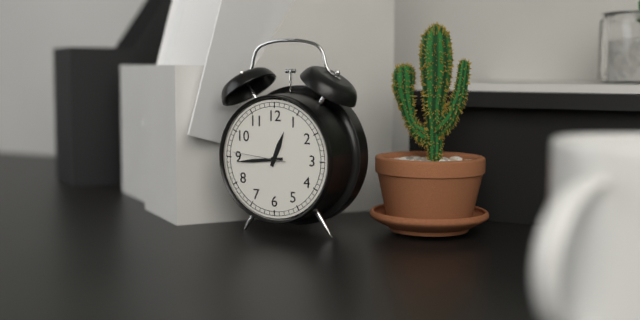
12:44:46
